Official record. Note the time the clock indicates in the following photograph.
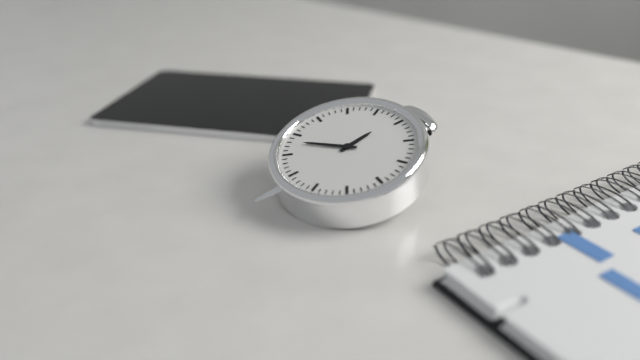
12:43
